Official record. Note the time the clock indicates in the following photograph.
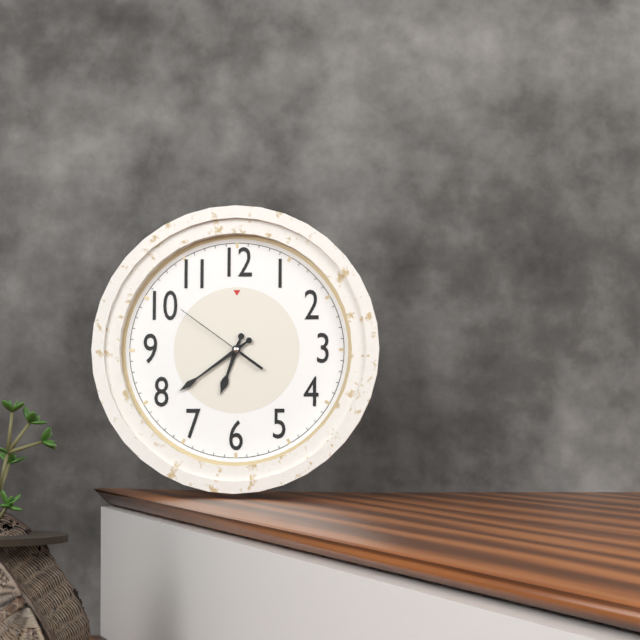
6:39:51
